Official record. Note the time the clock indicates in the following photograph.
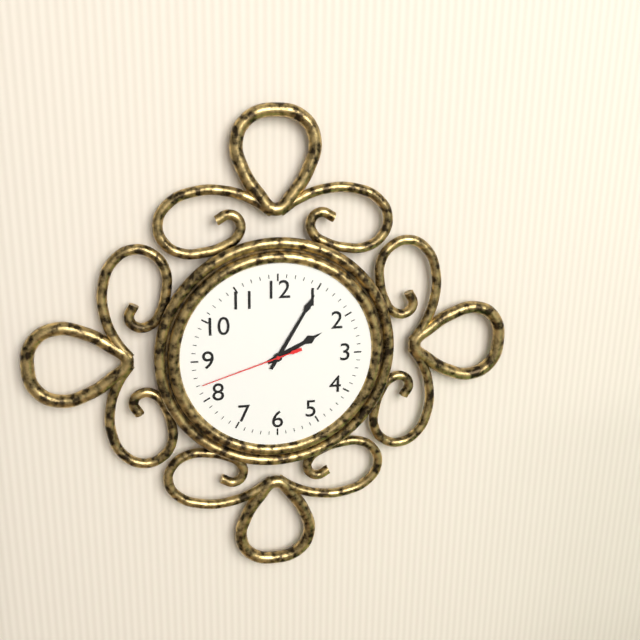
2:05:42
